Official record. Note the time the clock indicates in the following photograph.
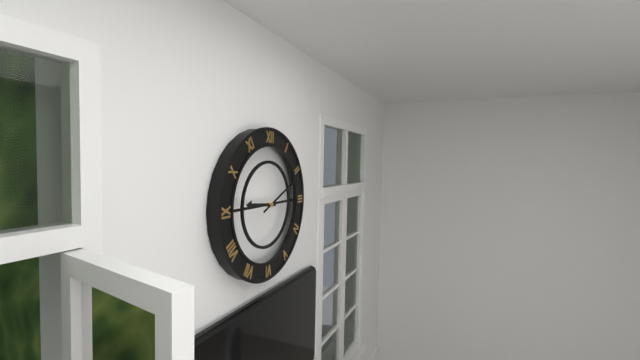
9:11
